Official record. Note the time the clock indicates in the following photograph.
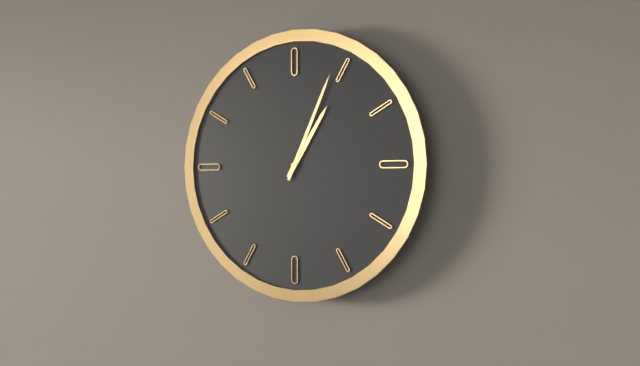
1:04
